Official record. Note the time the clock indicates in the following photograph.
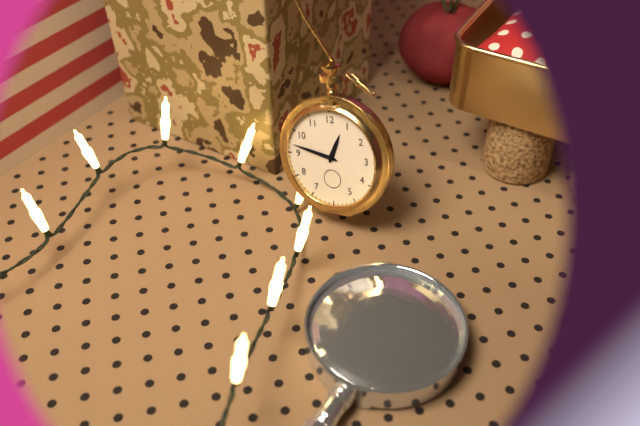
12:47
